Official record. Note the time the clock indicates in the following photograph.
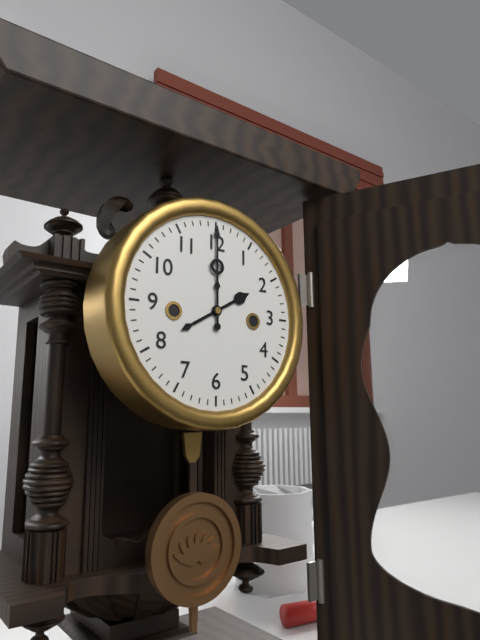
2:00
